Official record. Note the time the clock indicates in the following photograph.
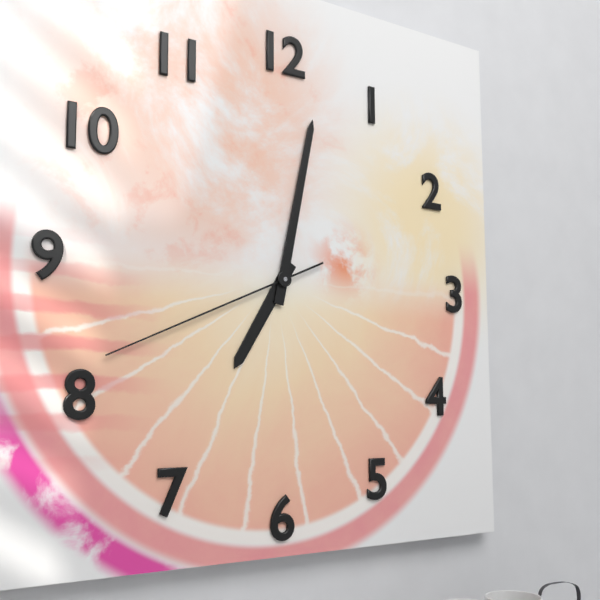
7:02:41
